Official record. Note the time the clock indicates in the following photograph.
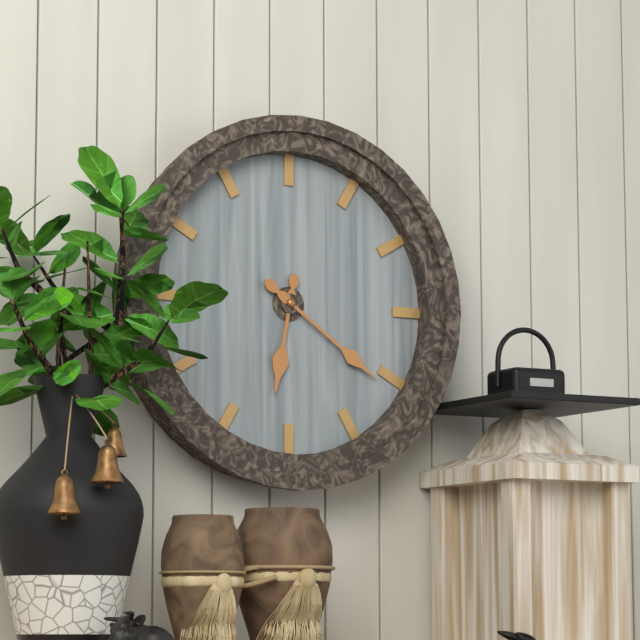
6:21
